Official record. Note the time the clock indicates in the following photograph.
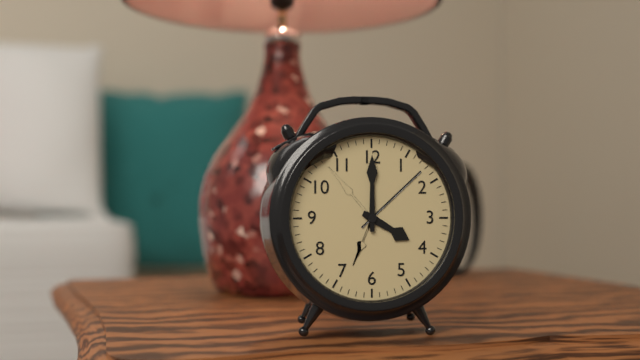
4:00
